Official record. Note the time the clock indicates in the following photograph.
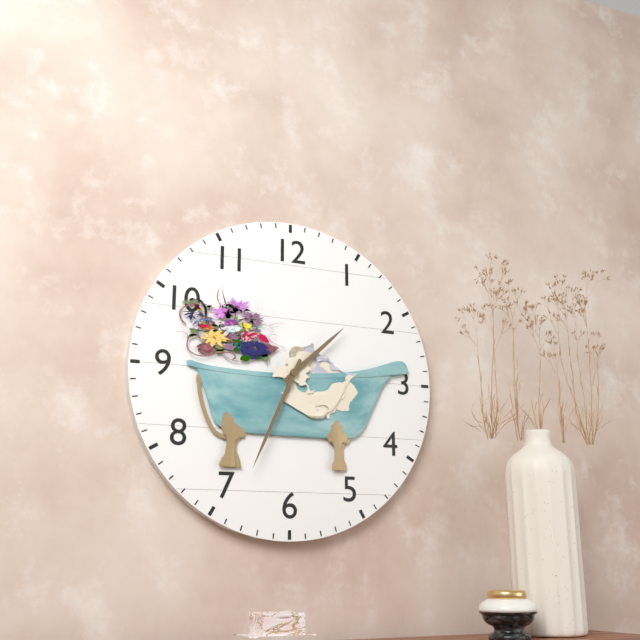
1:34
